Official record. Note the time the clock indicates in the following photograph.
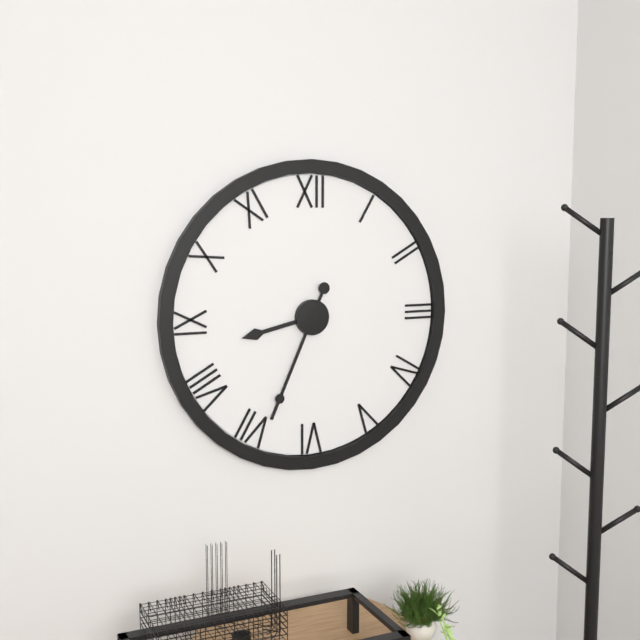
8:34
